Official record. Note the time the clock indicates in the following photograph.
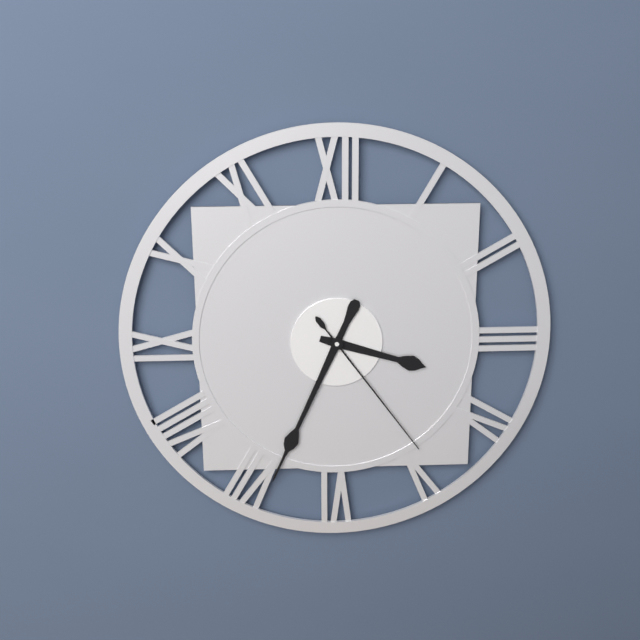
3:34:24
